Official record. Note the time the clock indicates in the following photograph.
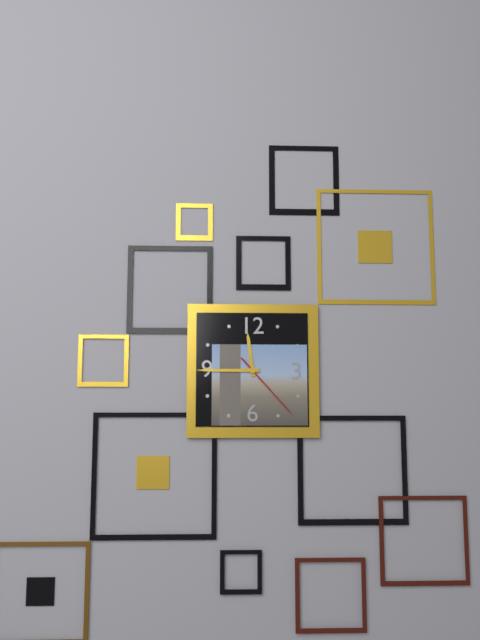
11:45:23
